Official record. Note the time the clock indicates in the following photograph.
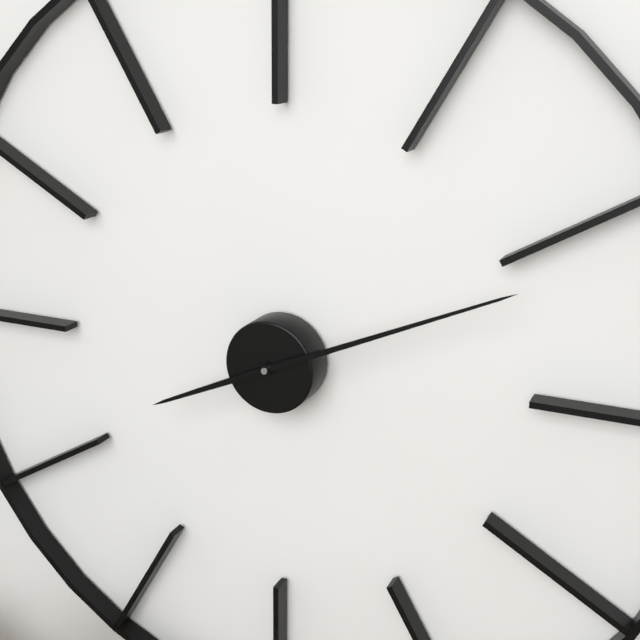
8:11
